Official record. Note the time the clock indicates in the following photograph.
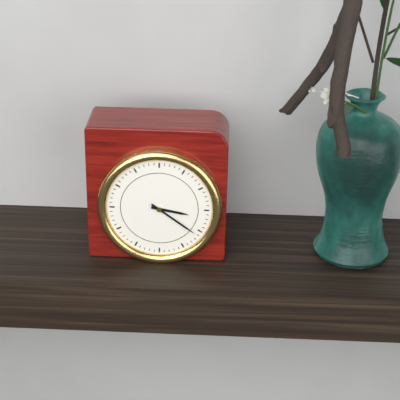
3:21
